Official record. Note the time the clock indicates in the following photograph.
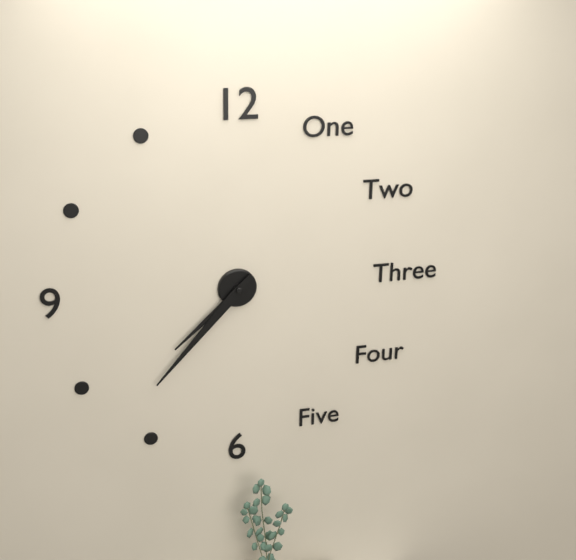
7:37
